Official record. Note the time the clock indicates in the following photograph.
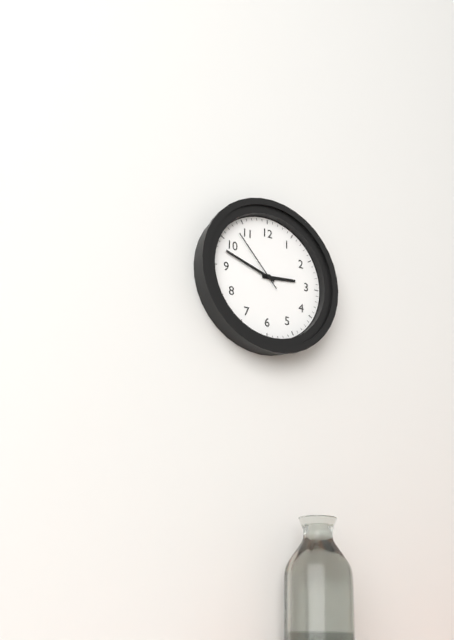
2:48:53
